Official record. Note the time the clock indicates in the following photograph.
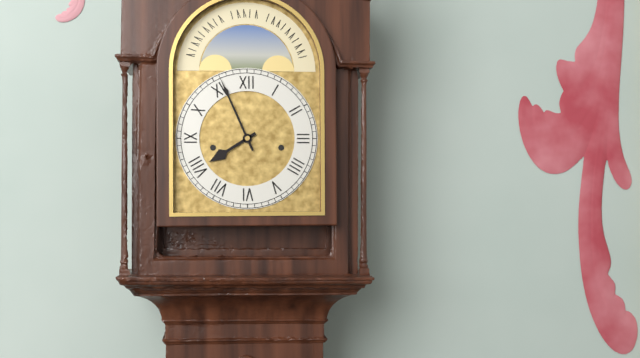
7:56
